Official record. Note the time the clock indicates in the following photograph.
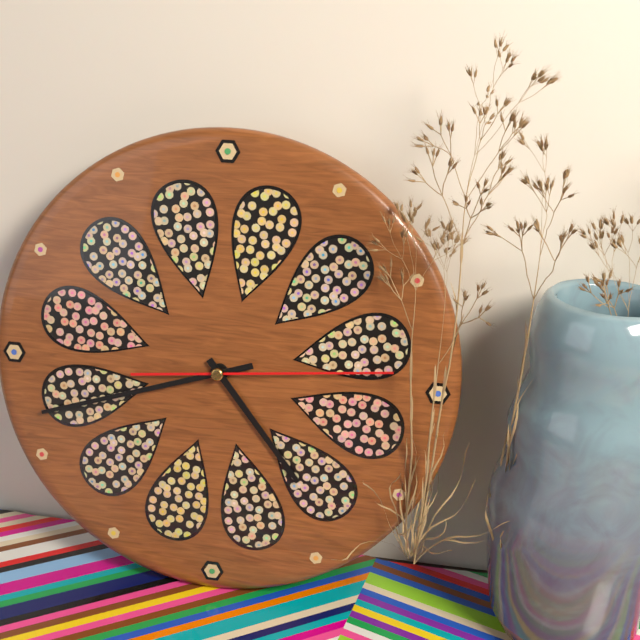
4:42:14
